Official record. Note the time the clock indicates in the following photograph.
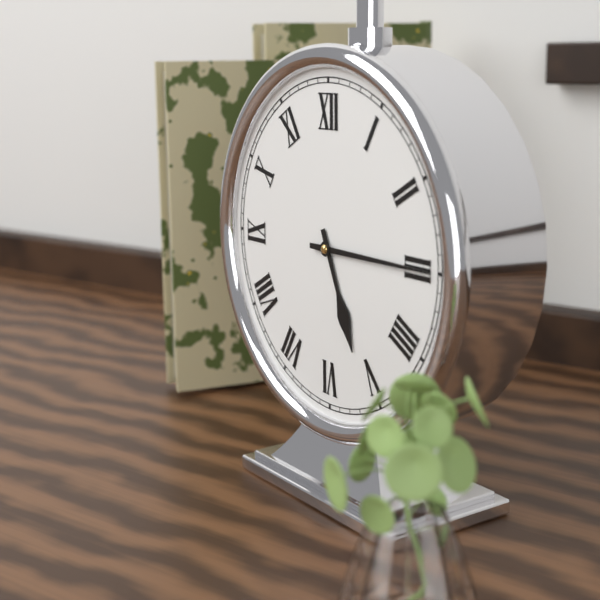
5:15
